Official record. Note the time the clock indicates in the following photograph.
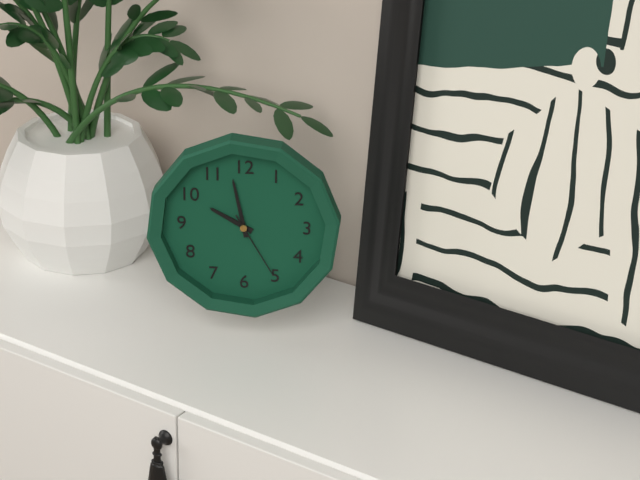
9:58:25
